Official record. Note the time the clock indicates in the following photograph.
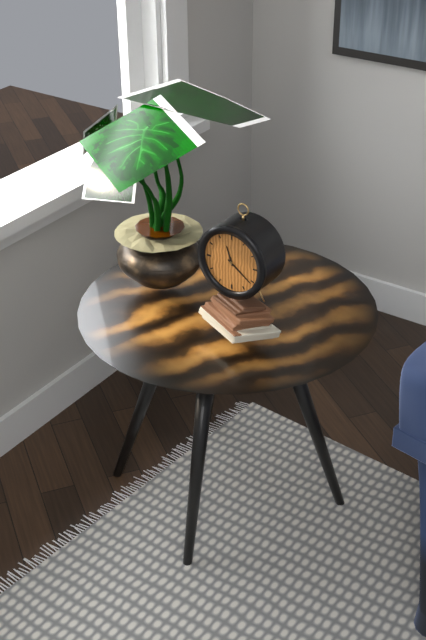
11:21
